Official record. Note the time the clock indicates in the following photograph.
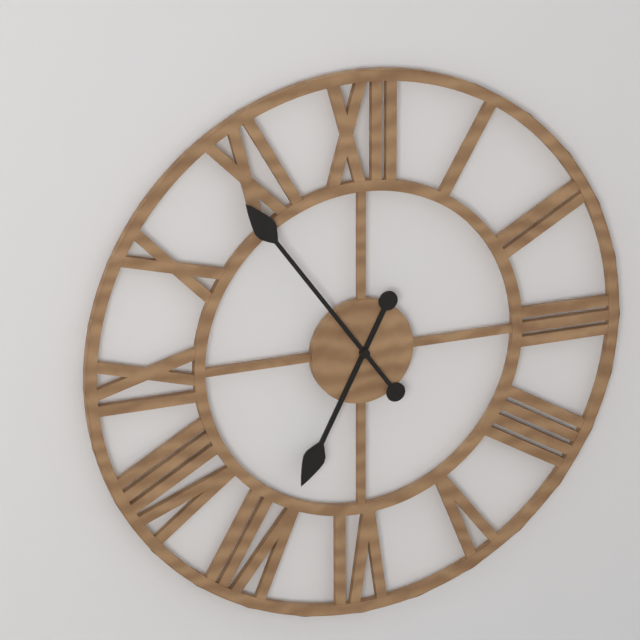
6:54
